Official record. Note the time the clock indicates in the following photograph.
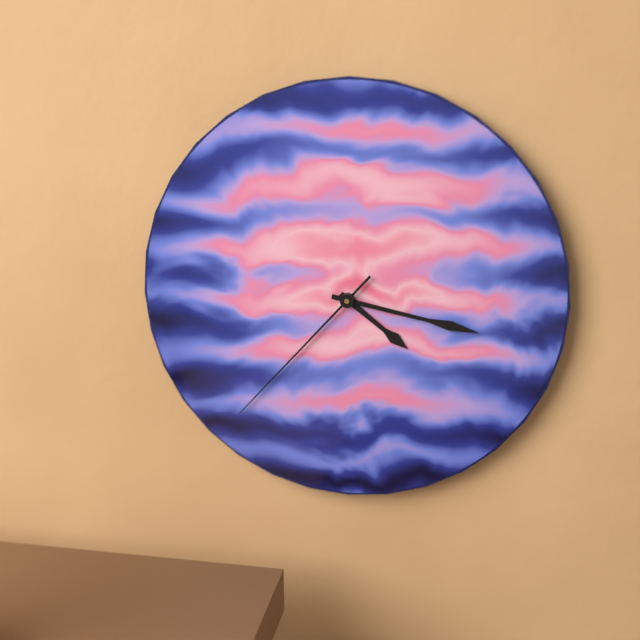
4:17:37
